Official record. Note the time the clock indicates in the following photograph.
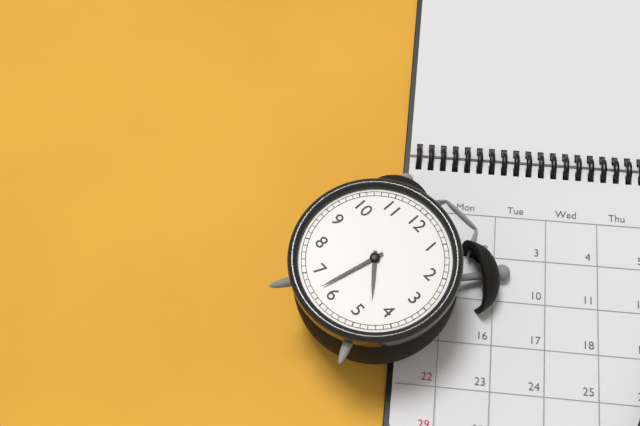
4:32
